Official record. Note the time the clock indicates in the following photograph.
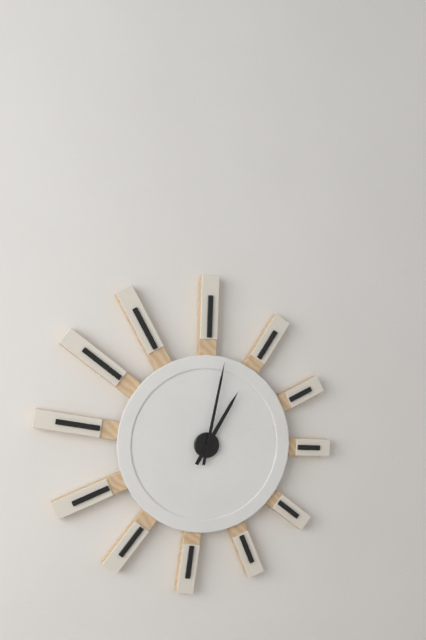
1:02
